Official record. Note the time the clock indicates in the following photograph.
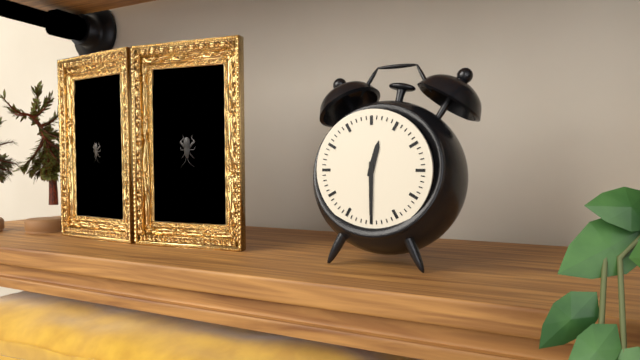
12:30
